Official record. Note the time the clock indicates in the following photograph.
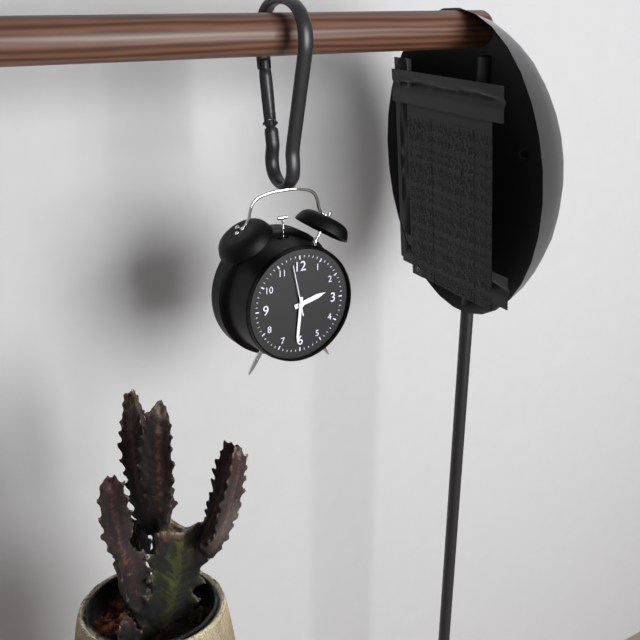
2:31
